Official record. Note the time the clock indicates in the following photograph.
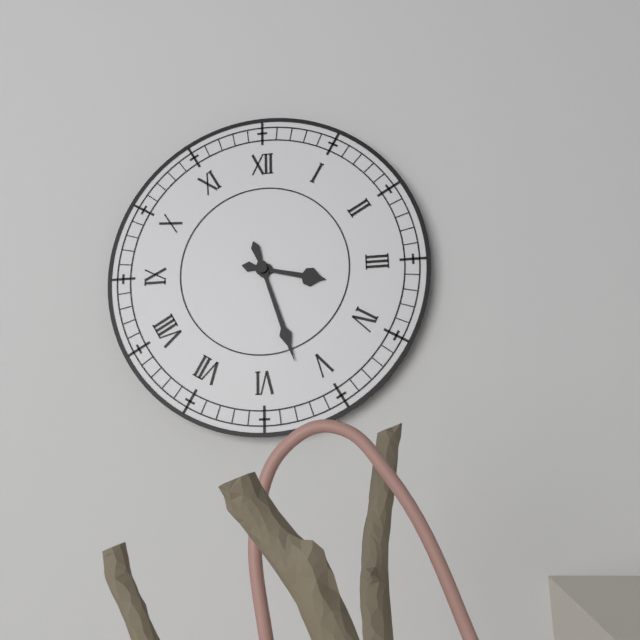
3:27
